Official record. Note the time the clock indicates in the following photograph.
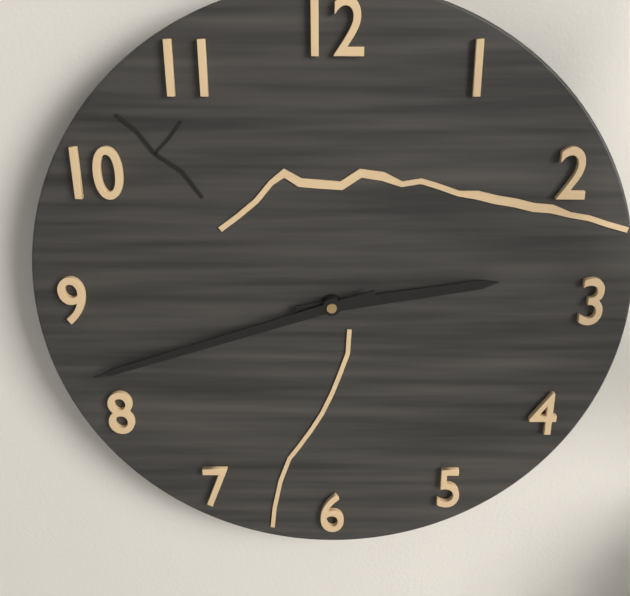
2:42
